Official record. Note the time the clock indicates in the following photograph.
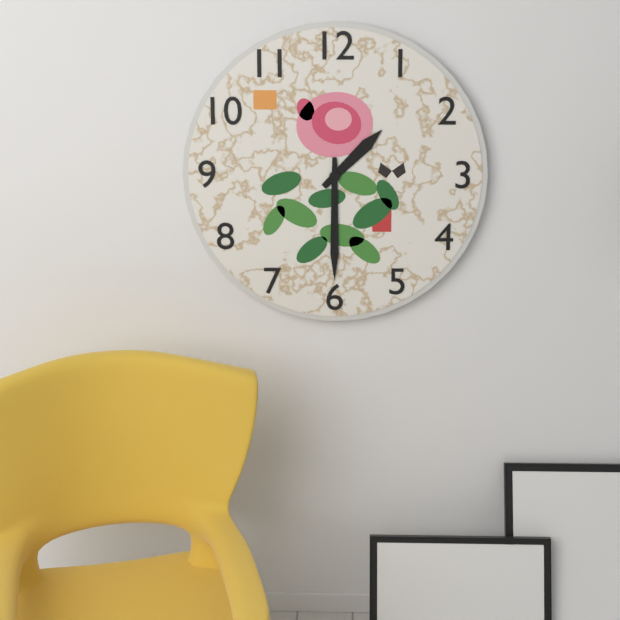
1:30
